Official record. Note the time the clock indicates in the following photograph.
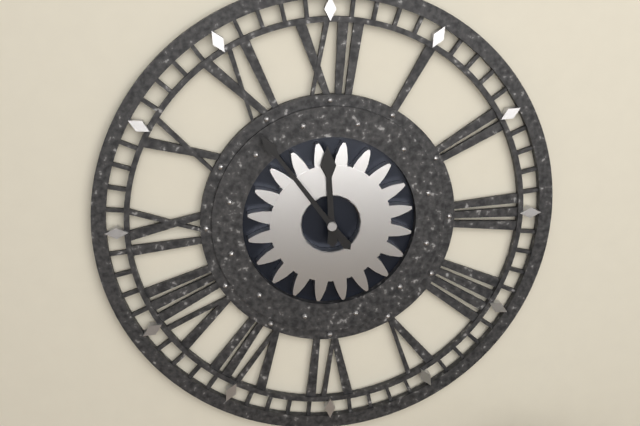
11:54
